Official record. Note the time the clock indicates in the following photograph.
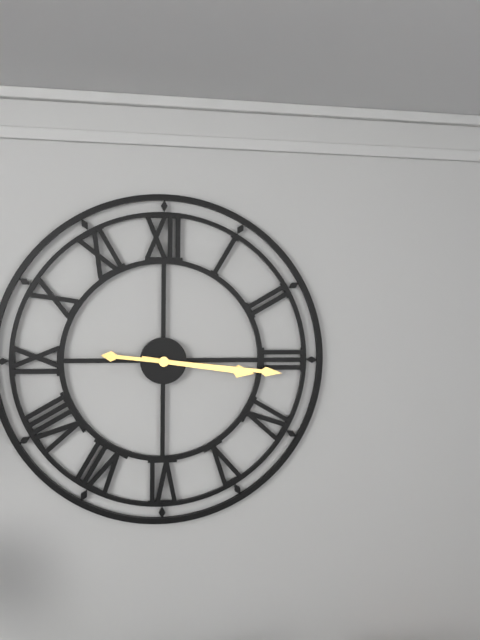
3:16
